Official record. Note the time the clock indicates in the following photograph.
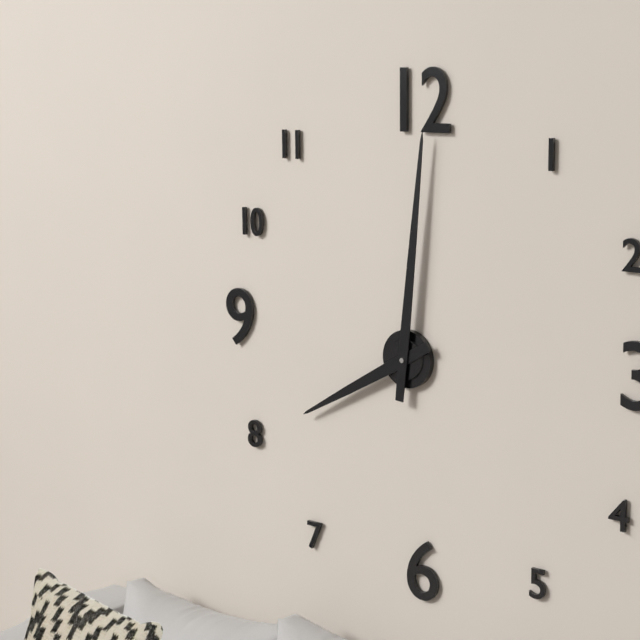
8:01
